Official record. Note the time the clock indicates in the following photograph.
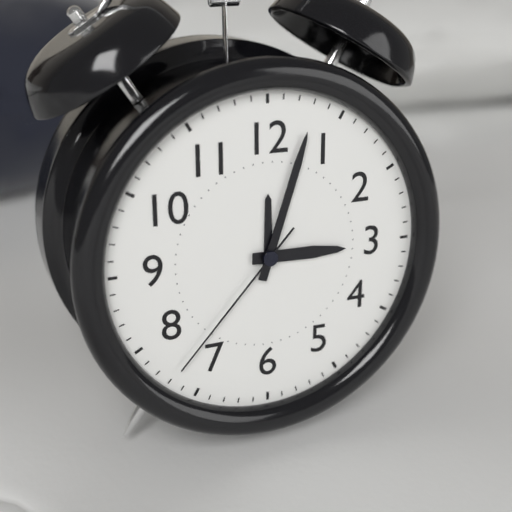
3:03:37
